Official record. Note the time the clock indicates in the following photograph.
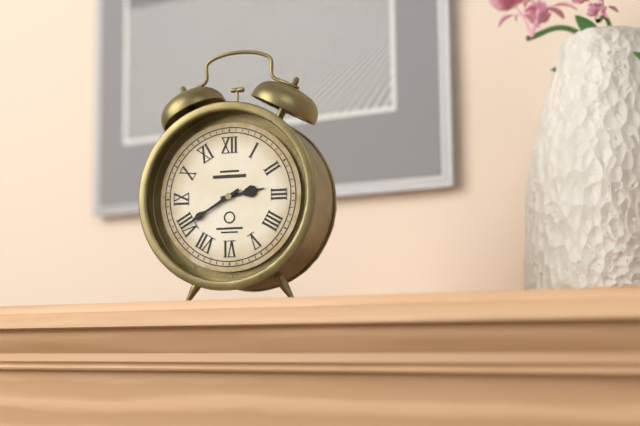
2:40
